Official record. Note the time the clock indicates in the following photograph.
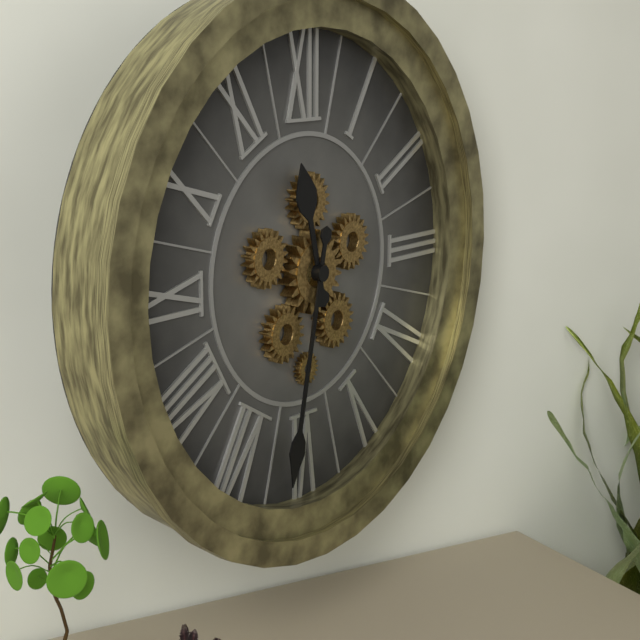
11:32
